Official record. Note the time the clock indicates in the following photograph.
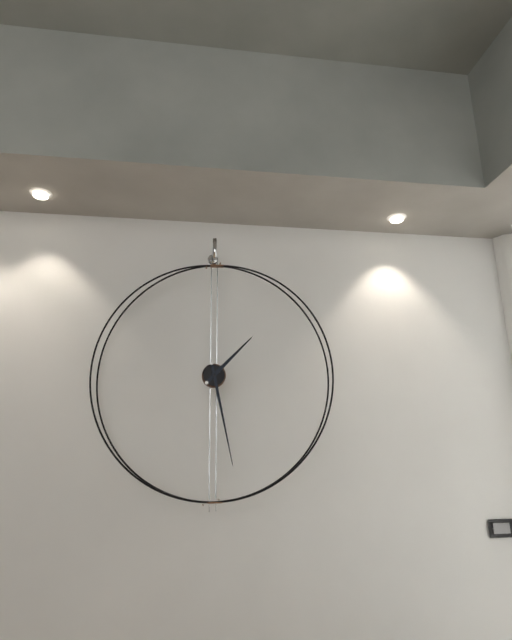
1:28
